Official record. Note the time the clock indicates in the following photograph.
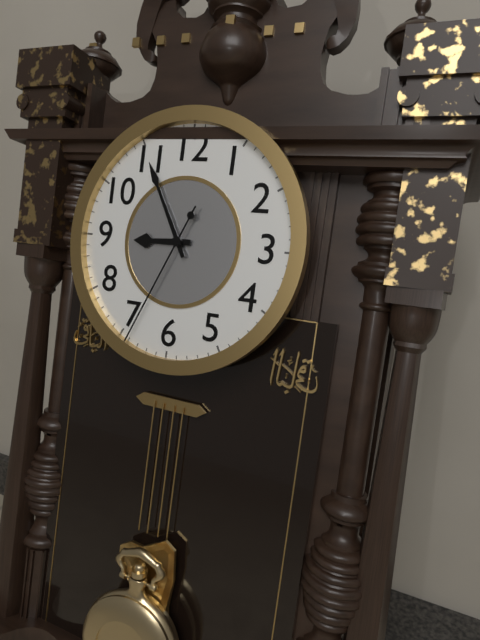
8:55:34
